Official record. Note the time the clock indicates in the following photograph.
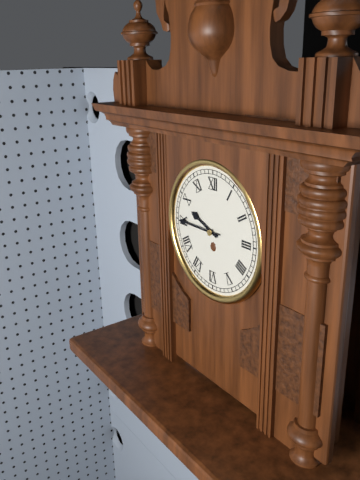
9:45
